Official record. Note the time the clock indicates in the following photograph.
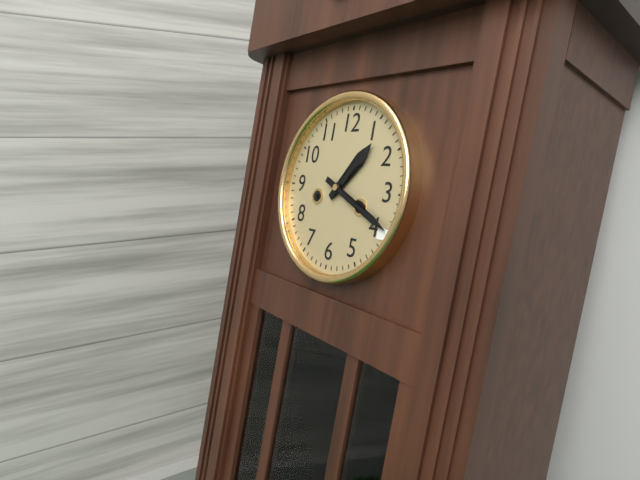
1:19
